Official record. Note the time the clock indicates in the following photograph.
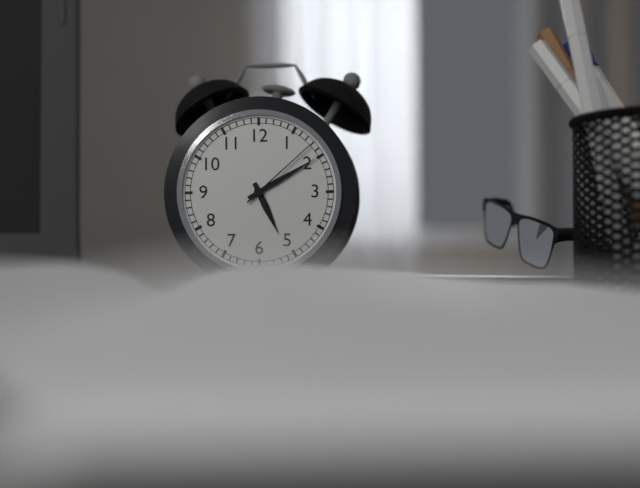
5:10:08
